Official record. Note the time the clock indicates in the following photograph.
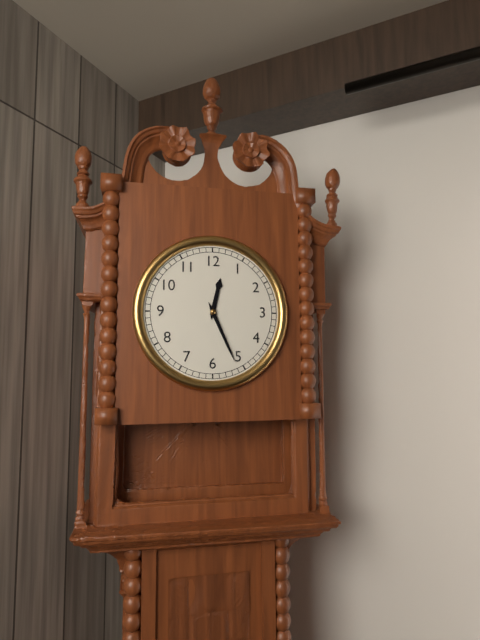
12:26
